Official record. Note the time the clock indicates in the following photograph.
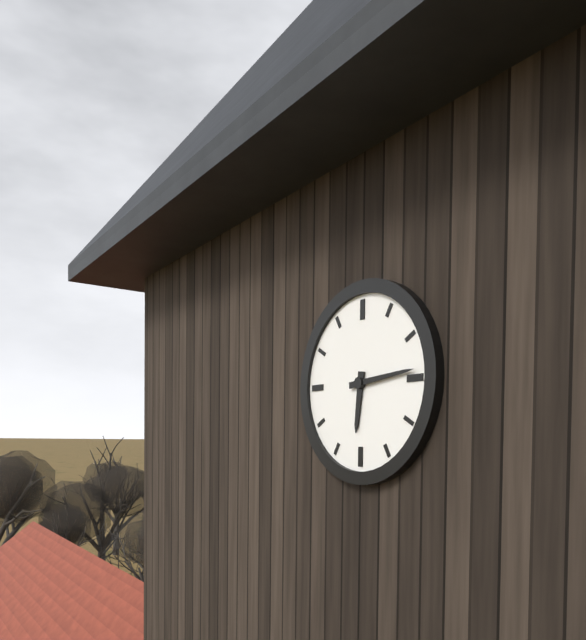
6:14
